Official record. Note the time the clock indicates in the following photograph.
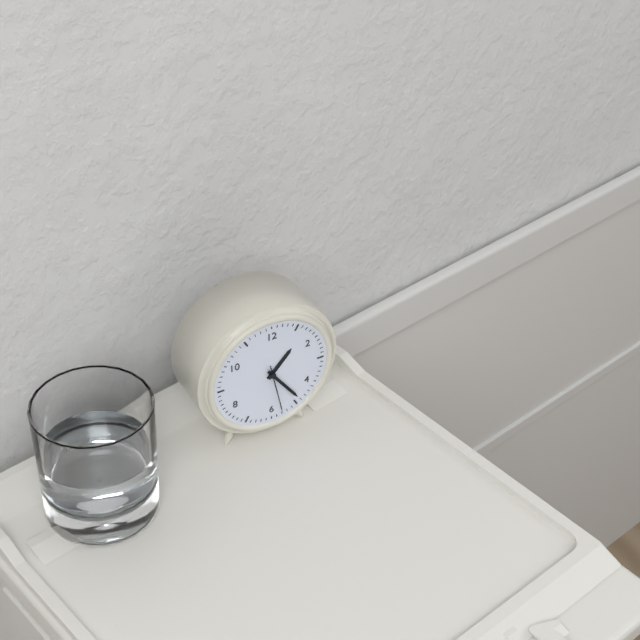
1:24:28
